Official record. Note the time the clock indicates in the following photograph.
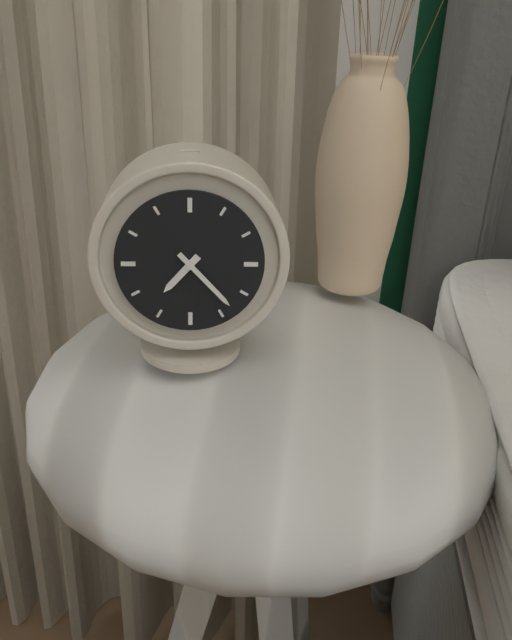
7:23
